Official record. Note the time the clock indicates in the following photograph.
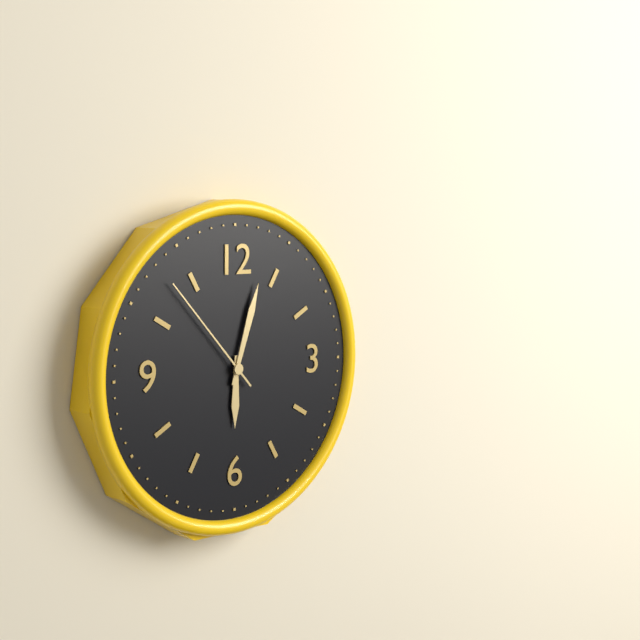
6:03:53
